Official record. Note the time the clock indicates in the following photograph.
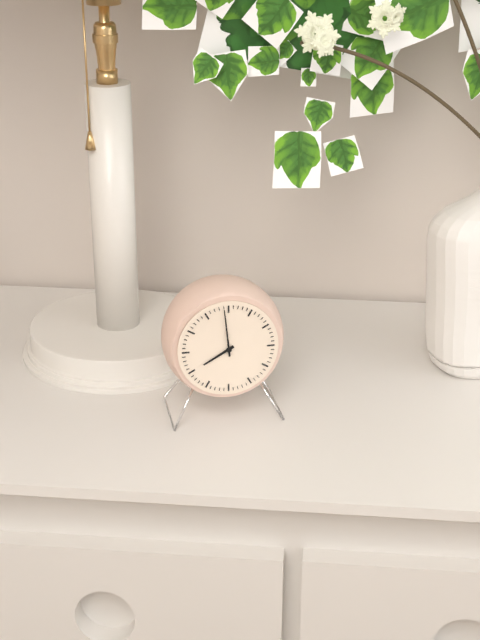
7:59
